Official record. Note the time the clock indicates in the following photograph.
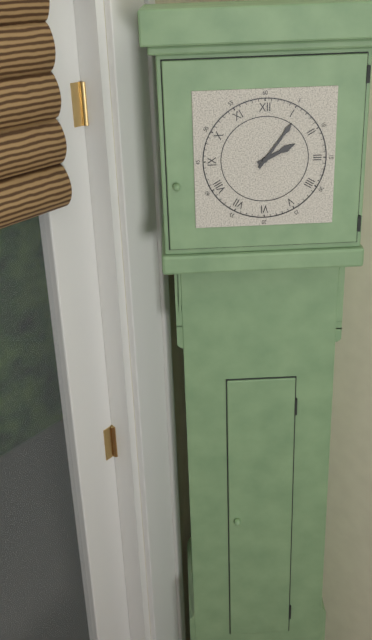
2:06
